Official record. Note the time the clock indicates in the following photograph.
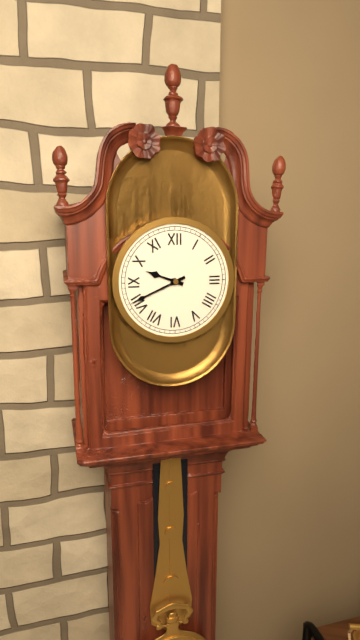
9:41
